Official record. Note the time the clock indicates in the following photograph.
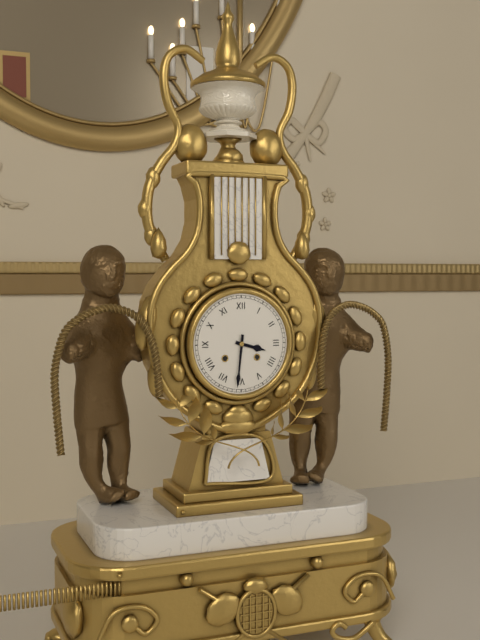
3:31
